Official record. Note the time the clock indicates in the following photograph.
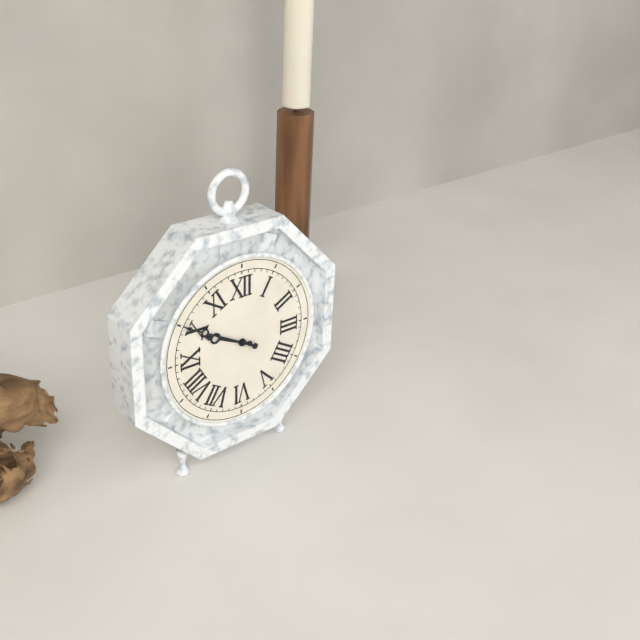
9:50
